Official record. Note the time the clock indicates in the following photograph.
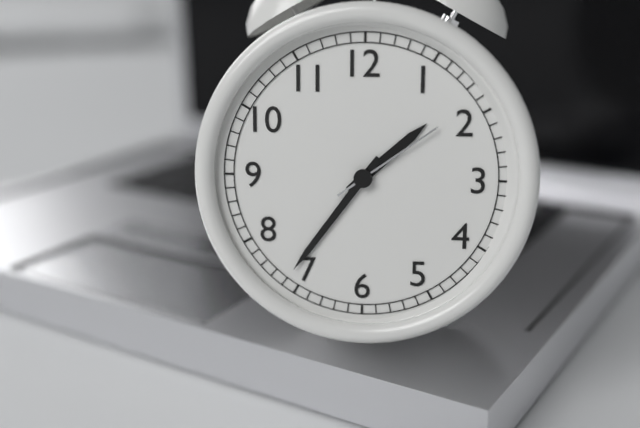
1:36:09
